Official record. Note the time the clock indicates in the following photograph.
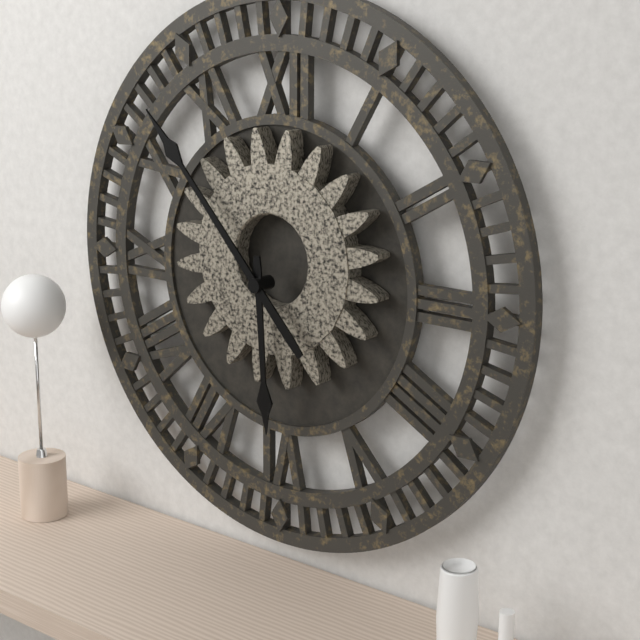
5:53
